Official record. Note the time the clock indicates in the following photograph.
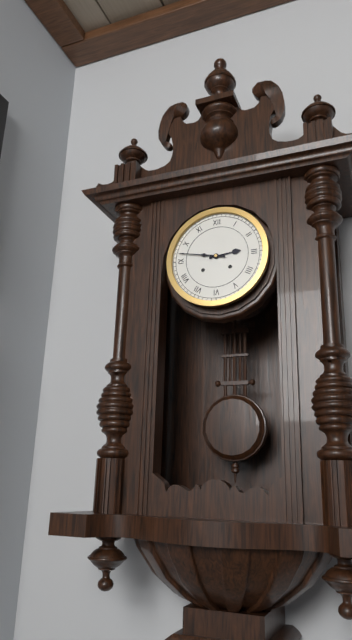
2:47
